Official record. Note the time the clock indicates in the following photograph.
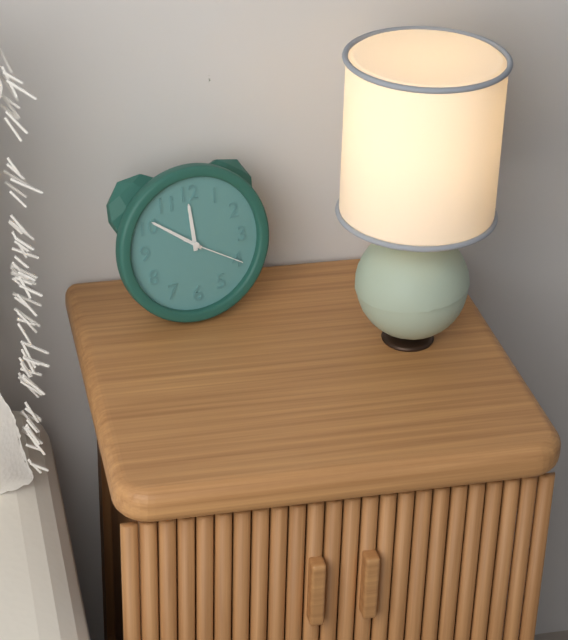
11:51:20
